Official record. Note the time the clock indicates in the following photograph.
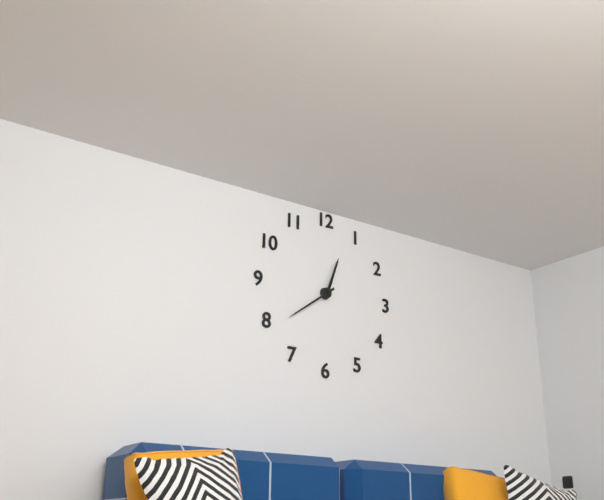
12:39
